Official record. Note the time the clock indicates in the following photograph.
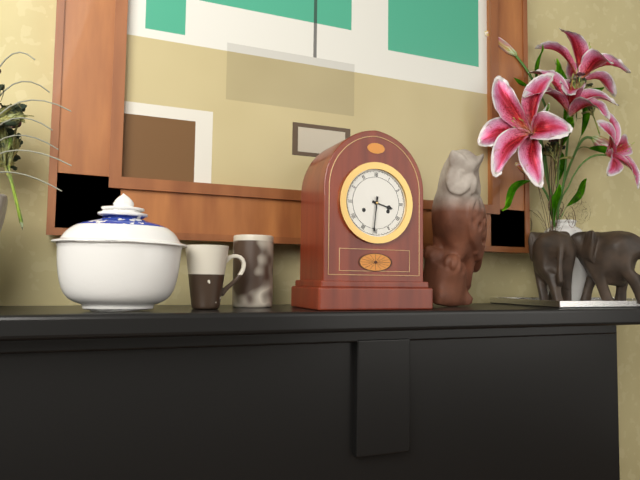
3:31
